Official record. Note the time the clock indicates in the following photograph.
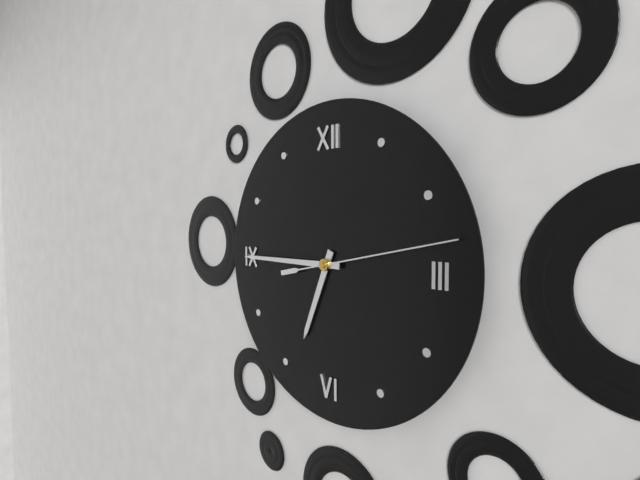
6:45:13
